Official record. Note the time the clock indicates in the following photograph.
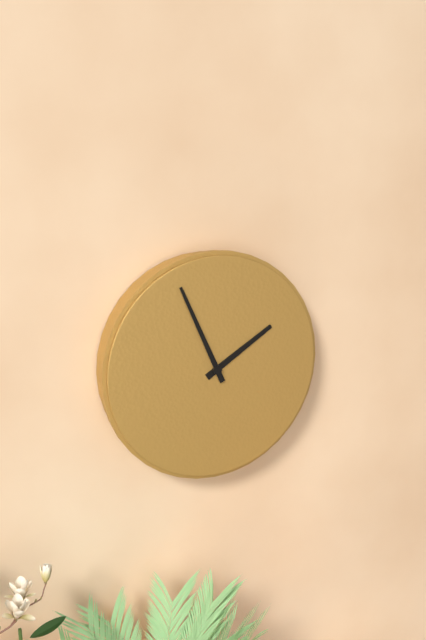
1:56
